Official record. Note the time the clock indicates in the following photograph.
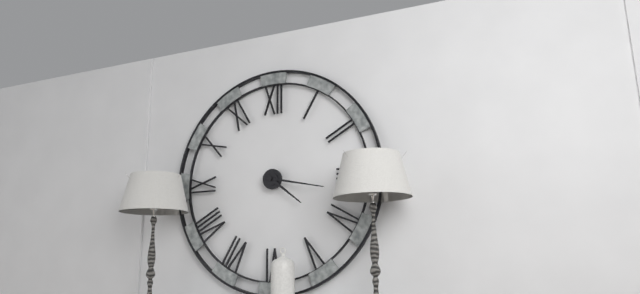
4:17
